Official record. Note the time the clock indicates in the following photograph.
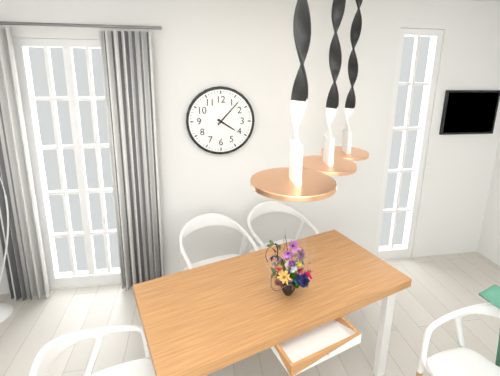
4:07
